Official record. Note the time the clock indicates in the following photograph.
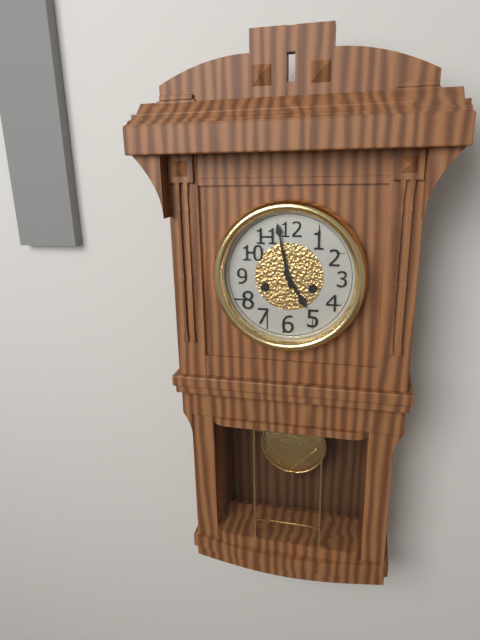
4:58
